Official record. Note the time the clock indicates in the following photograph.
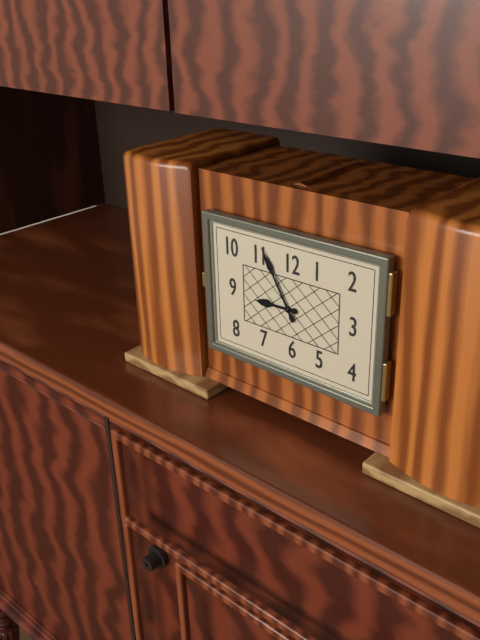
8:55
